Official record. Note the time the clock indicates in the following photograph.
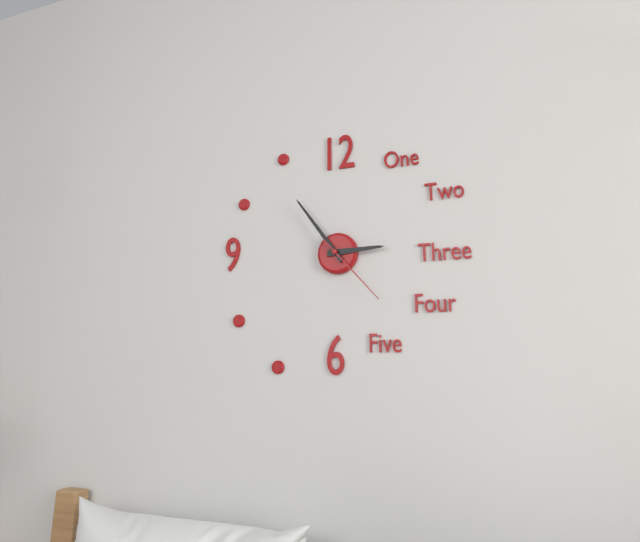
2:54:23
